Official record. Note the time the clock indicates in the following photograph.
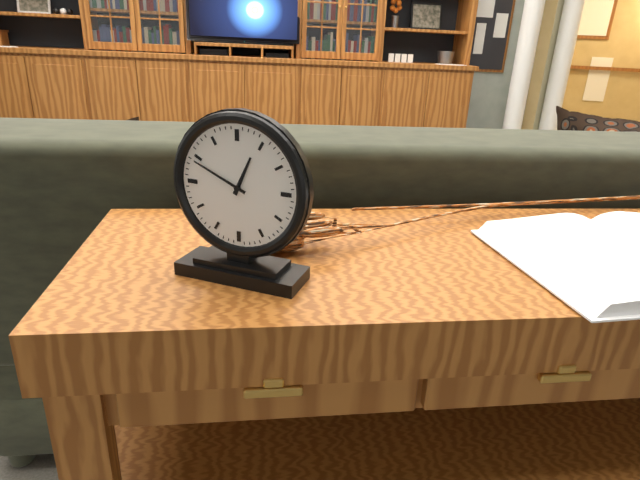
12:49
